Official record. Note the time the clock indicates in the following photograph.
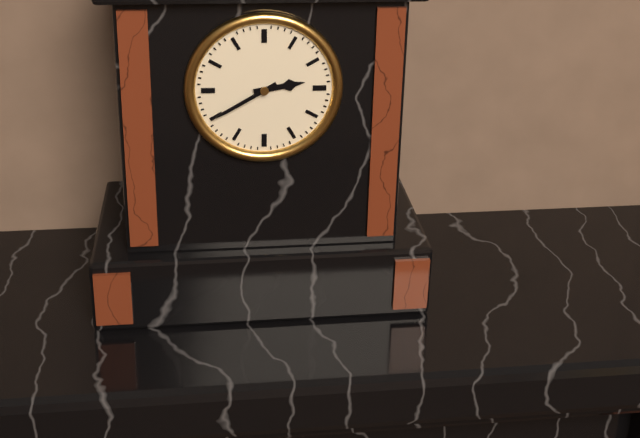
2:40
